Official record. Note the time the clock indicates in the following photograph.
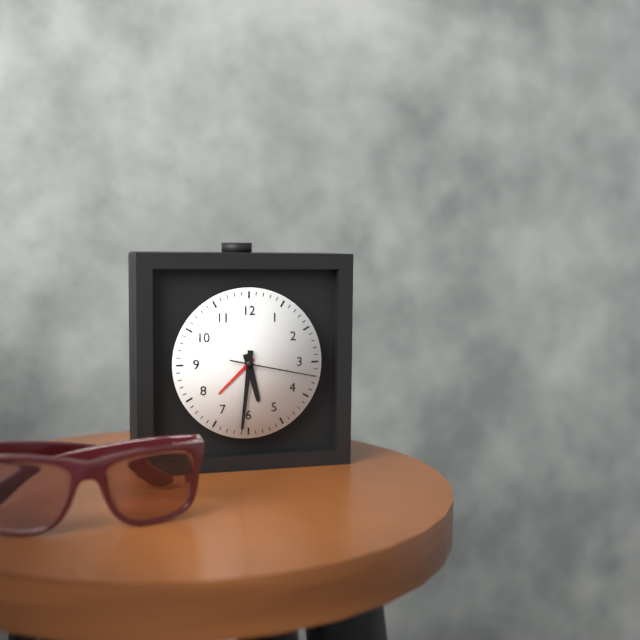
5:31:17
